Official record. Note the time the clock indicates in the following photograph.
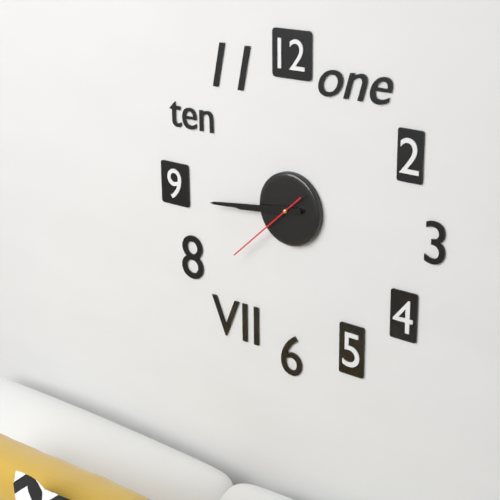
8:44:38
